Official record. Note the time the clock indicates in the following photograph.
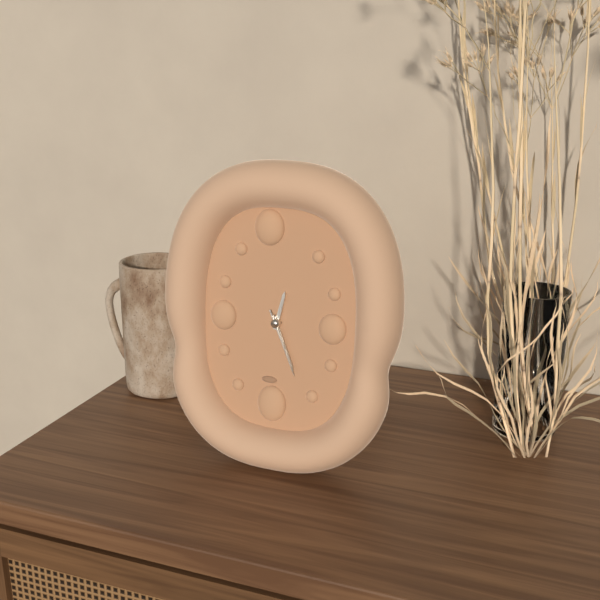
12:26:26
